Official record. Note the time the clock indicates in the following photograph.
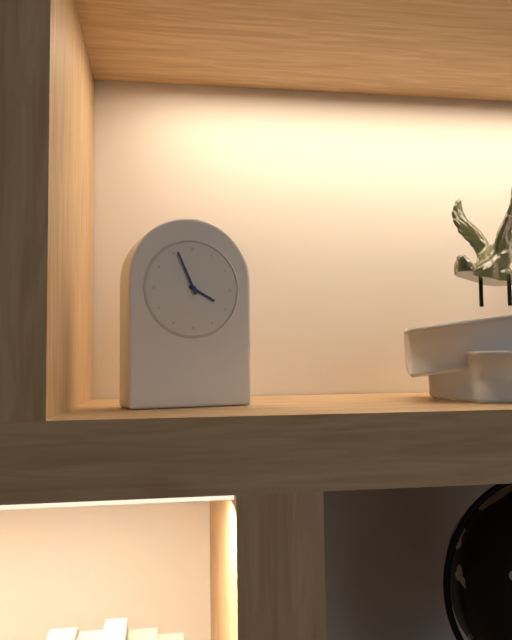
3:56
